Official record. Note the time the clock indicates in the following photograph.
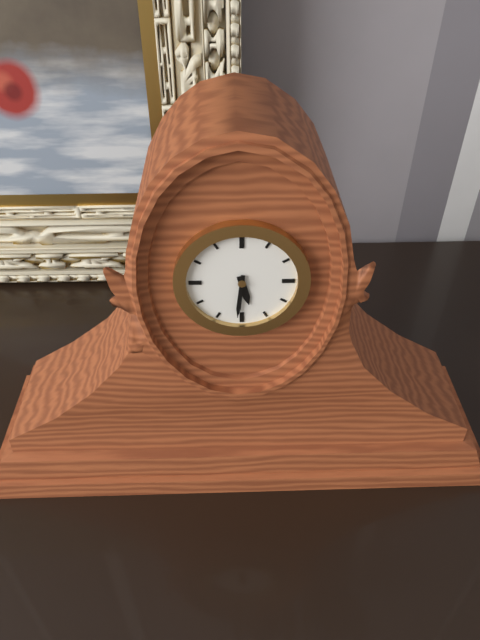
5:31
